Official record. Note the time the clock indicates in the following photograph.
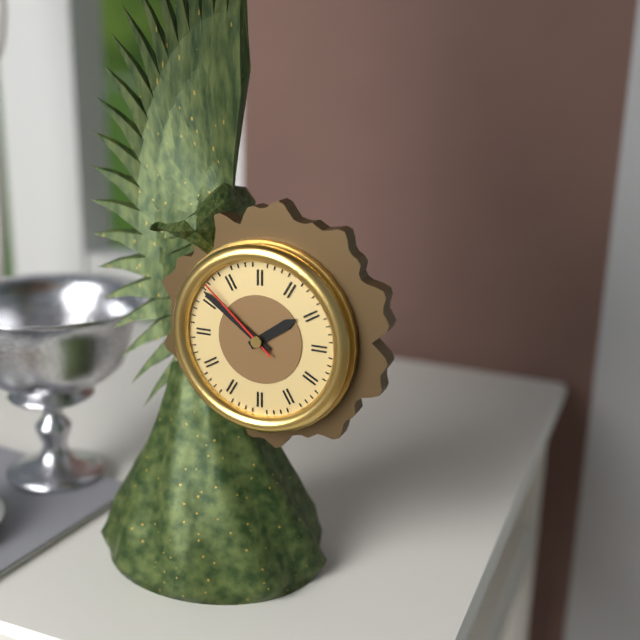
1:51:52
